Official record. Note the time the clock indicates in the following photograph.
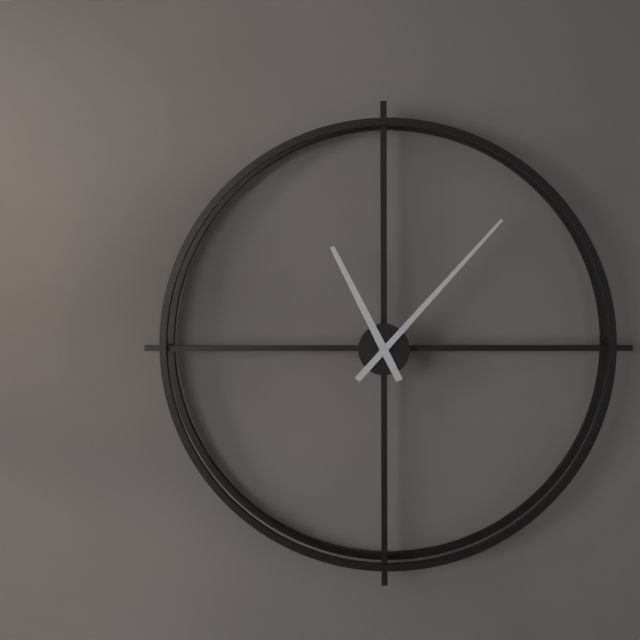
11:07
